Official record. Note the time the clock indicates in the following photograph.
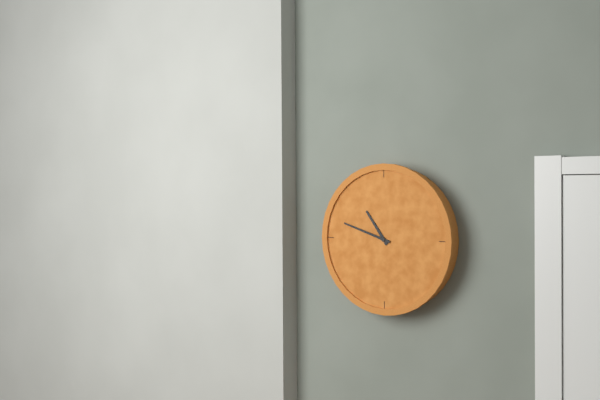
10:48
